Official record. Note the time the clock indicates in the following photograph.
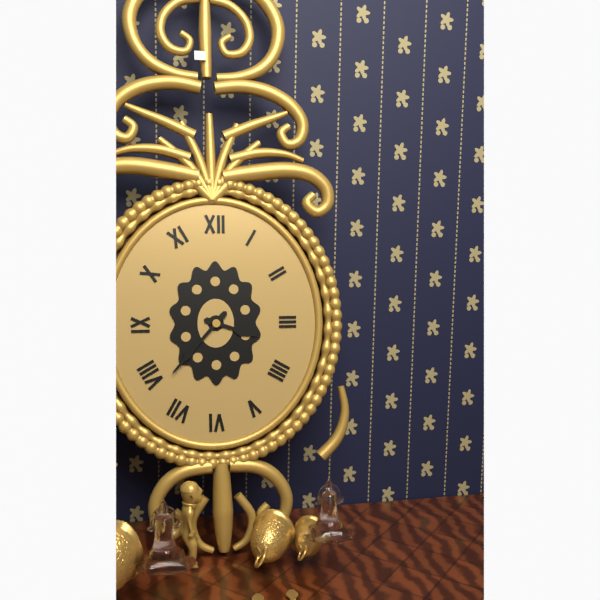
3:37
